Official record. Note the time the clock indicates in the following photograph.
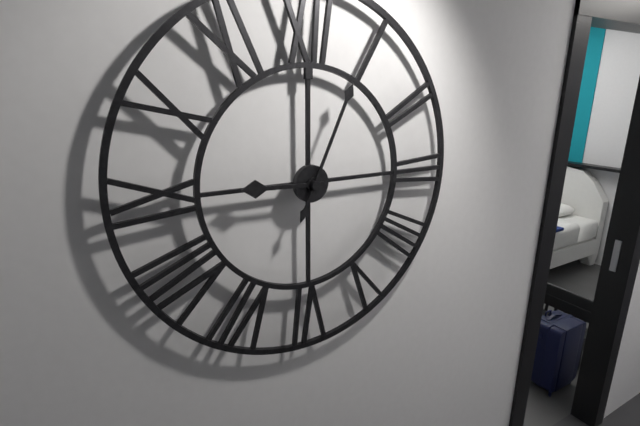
9:04
